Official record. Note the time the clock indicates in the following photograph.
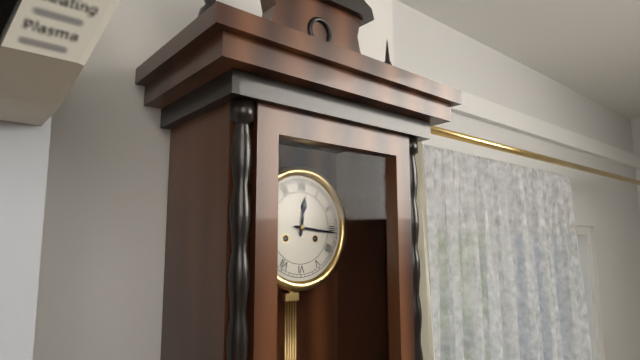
12:16
